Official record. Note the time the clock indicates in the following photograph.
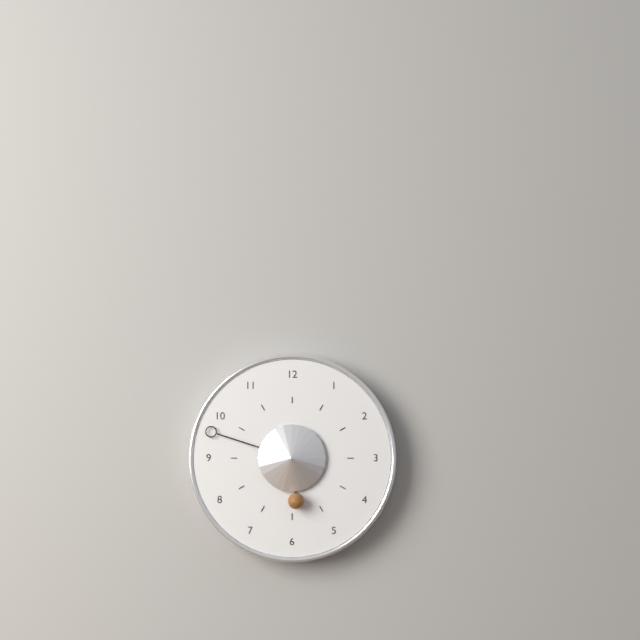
5:48
